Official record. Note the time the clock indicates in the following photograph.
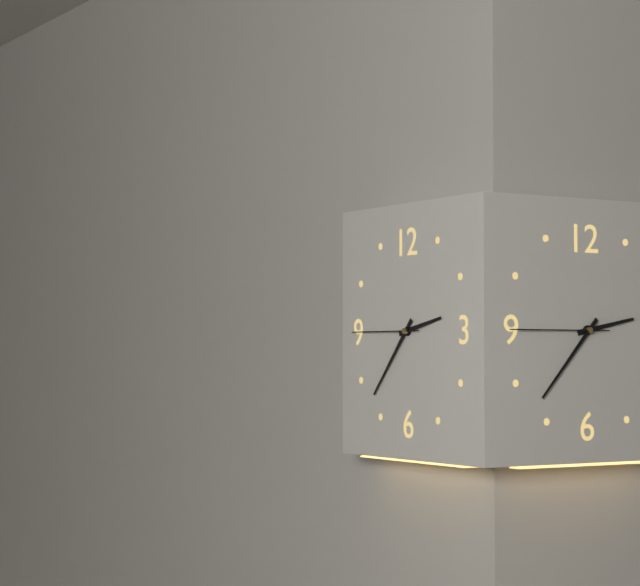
2:37:45
